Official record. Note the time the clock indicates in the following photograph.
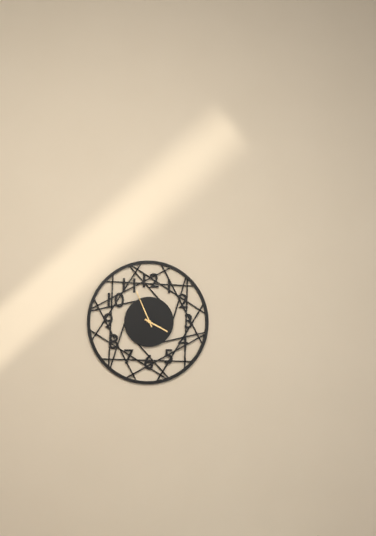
3:56
